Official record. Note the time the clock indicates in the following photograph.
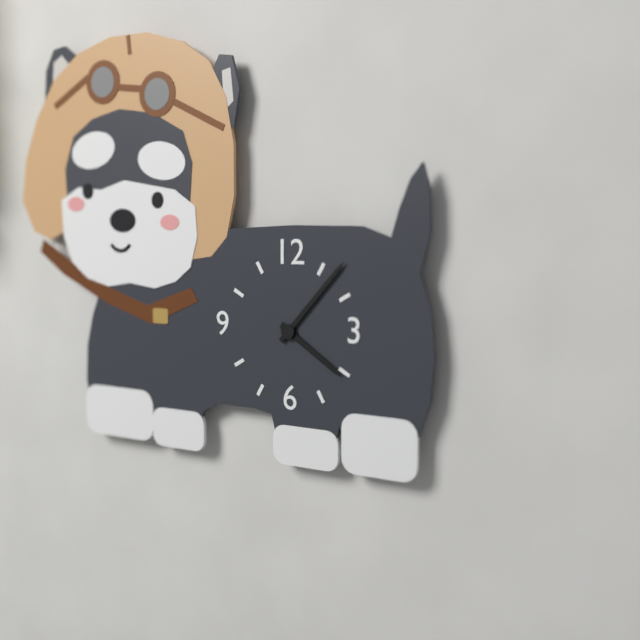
4:07
